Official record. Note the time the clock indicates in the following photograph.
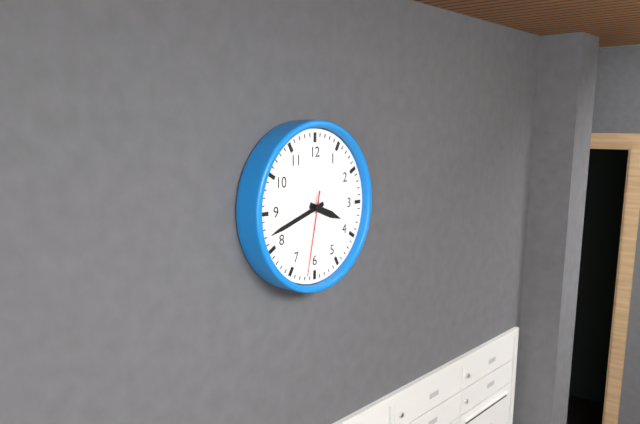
3:42:32
